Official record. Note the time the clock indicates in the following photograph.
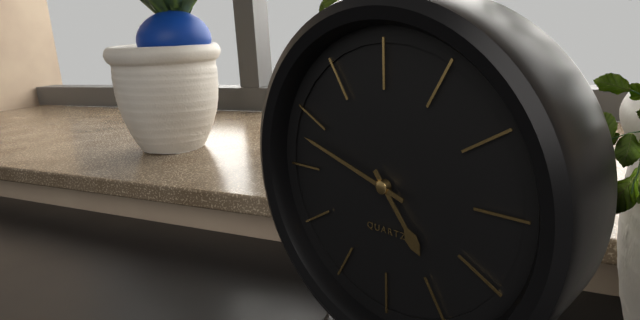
4:48
